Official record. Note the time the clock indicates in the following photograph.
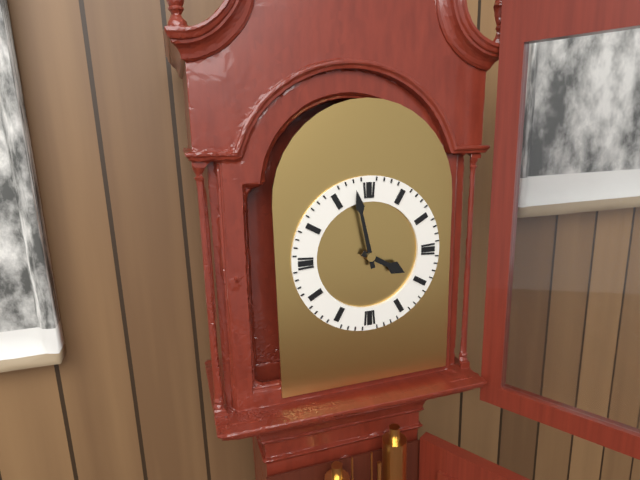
3:58
